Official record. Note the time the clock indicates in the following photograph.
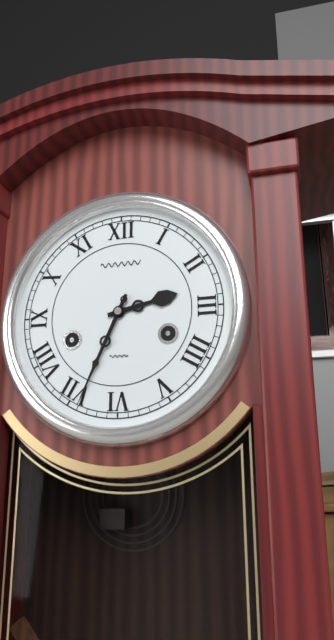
2:34
